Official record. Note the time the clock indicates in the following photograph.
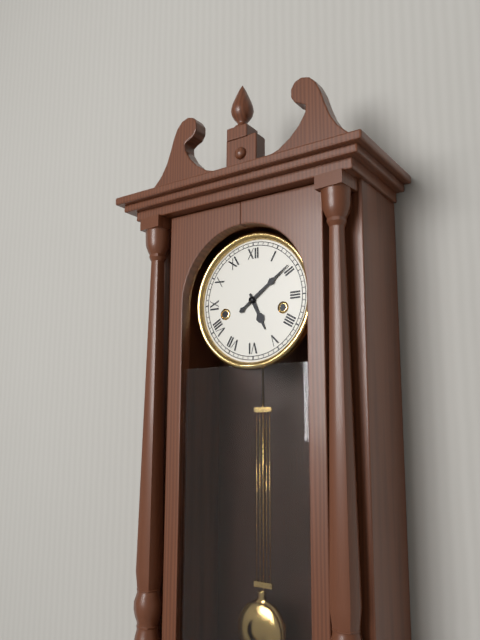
5:09
